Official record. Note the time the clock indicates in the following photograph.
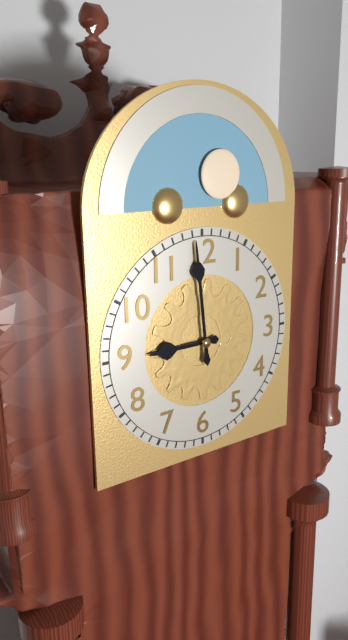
8:59
